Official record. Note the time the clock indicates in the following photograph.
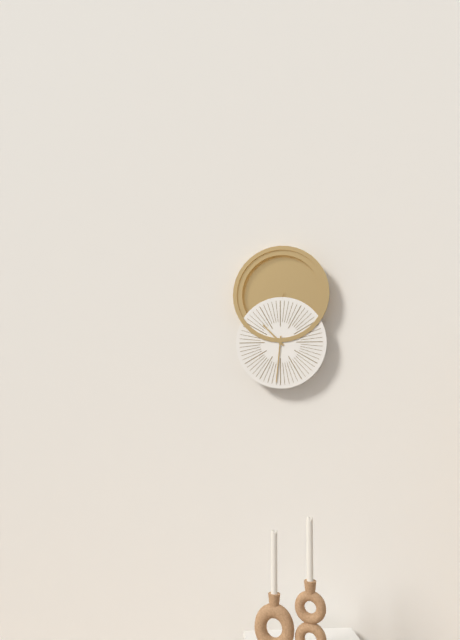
10:31
